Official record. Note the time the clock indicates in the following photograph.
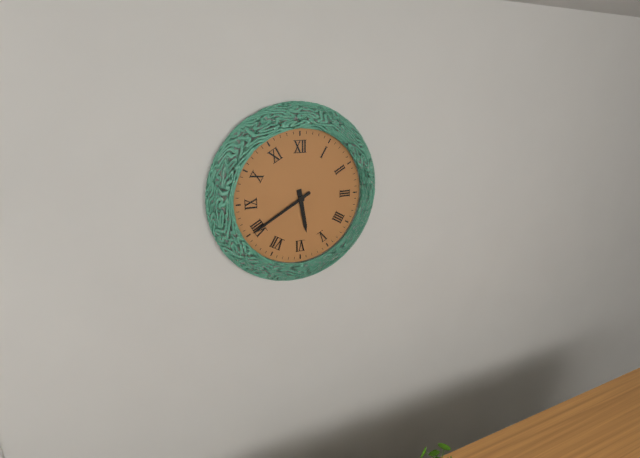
5:40
